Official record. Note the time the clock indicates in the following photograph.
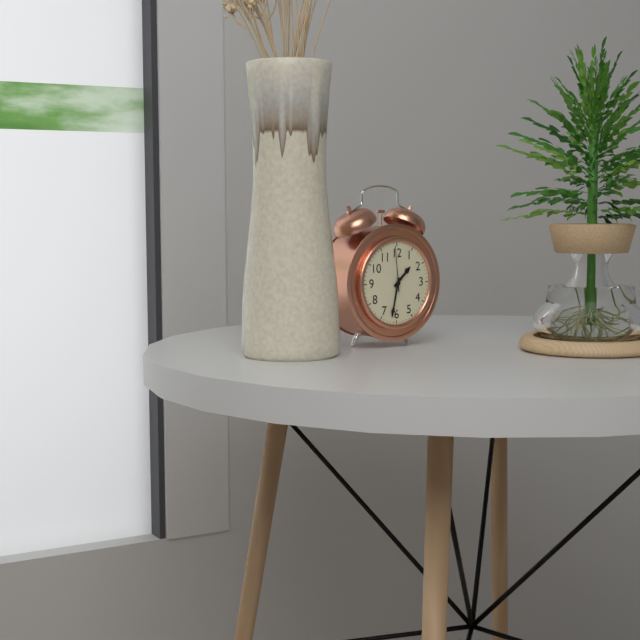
1:32
